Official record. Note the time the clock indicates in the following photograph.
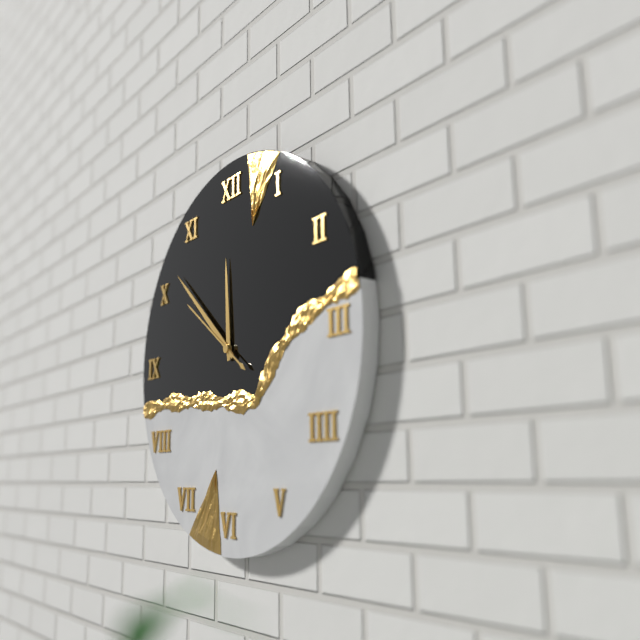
11:52:51
